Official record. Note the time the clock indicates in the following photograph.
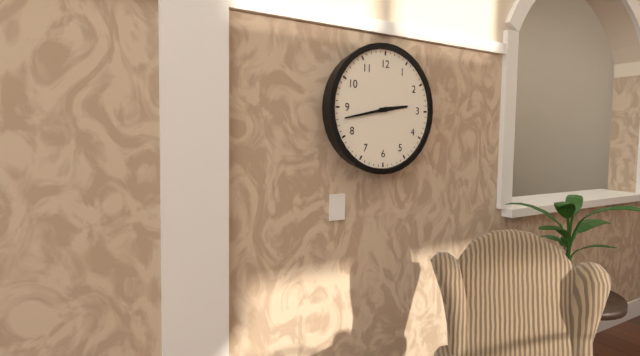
2:43
